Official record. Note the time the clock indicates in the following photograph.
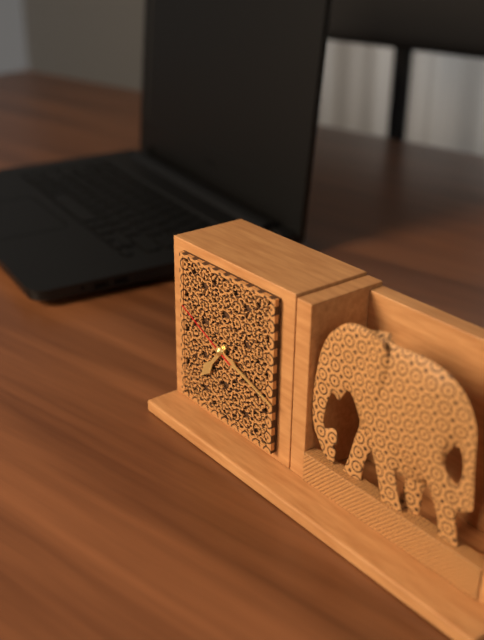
7:18:49
